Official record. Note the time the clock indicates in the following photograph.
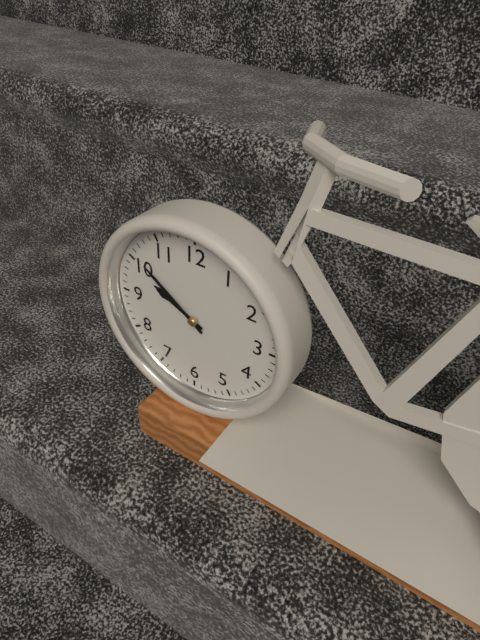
9:51
